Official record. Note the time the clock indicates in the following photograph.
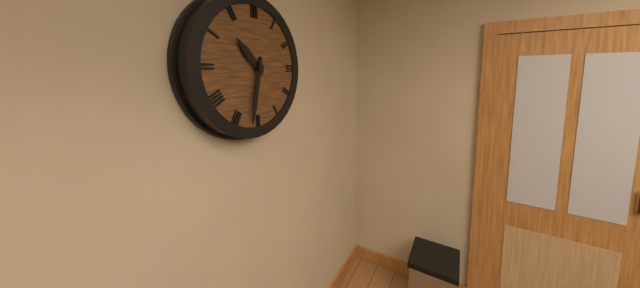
10:32
